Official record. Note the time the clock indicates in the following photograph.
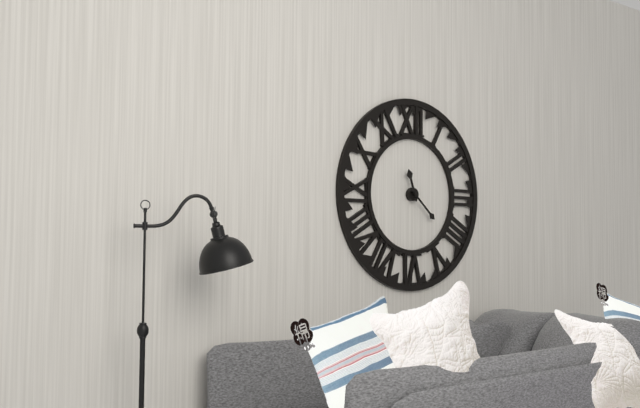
11:22
